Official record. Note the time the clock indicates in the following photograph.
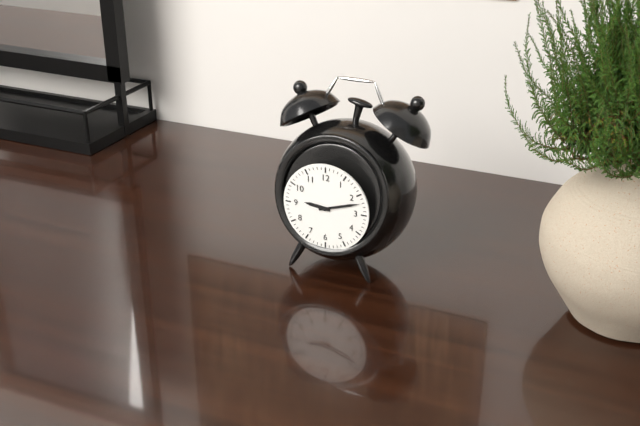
9:12
